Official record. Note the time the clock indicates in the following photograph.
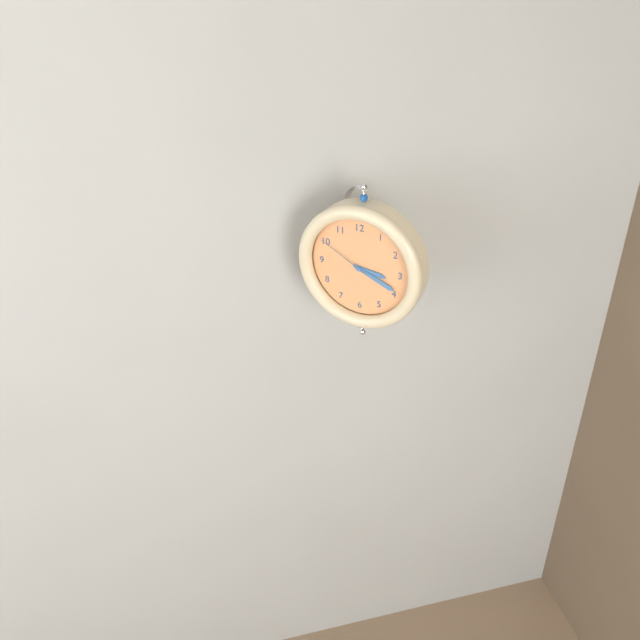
3:19:50
